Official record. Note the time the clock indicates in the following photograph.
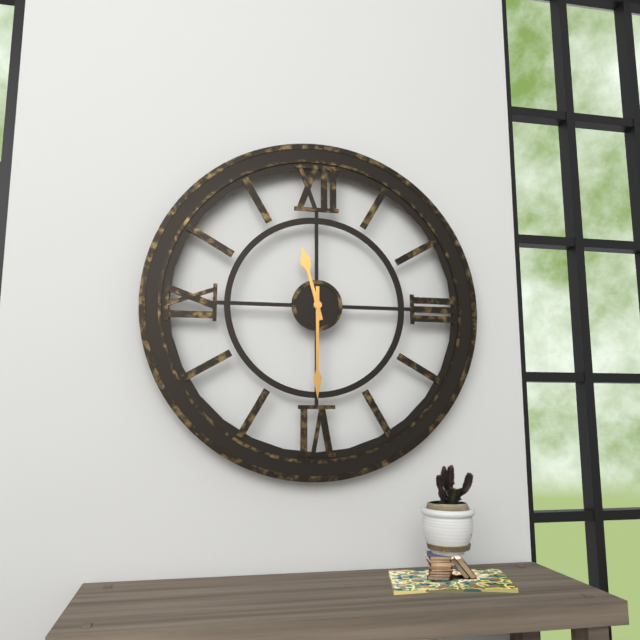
11:30
